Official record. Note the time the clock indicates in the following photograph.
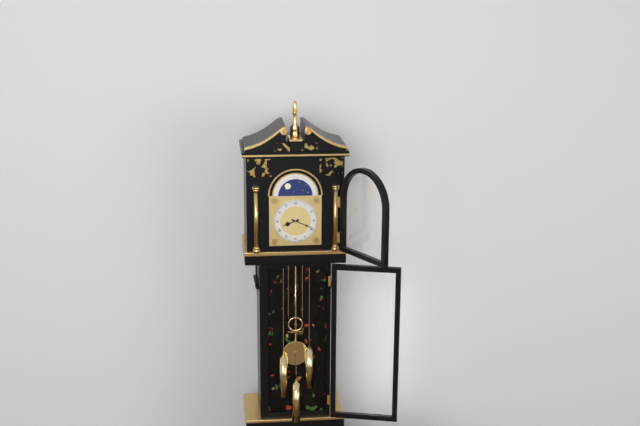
8:19
